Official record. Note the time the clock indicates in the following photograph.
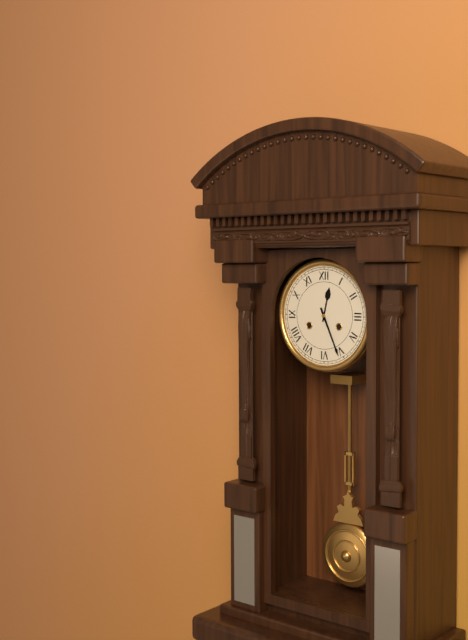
12:26
